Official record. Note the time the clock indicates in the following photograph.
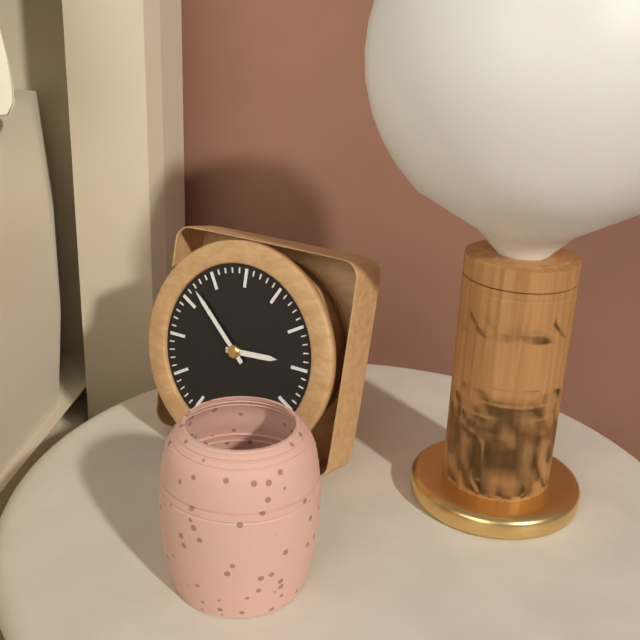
2:52
